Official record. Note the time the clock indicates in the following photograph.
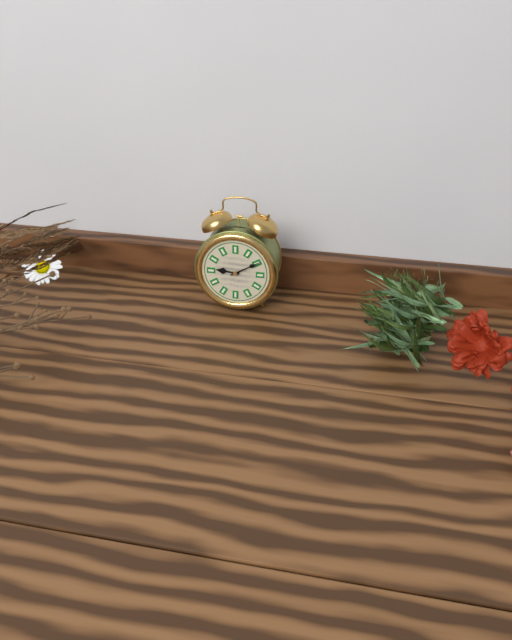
9:10
